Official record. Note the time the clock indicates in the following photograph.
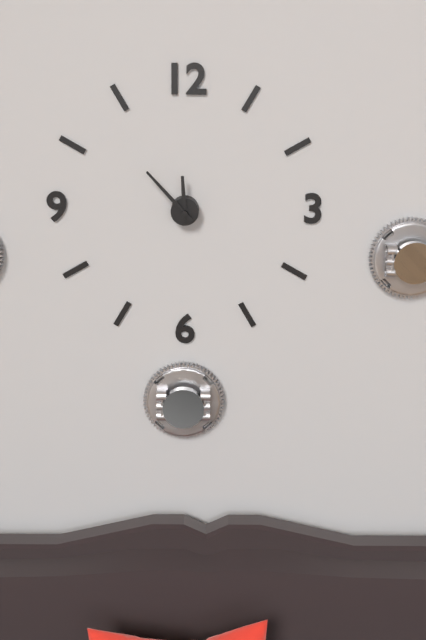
11:53
